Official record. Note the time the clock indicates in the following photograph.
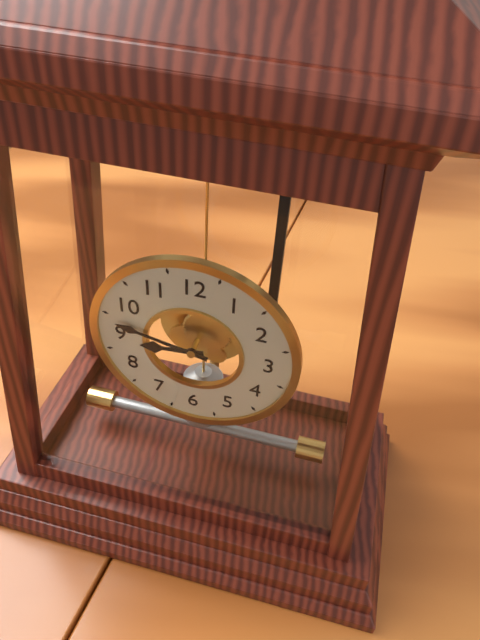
8:47
